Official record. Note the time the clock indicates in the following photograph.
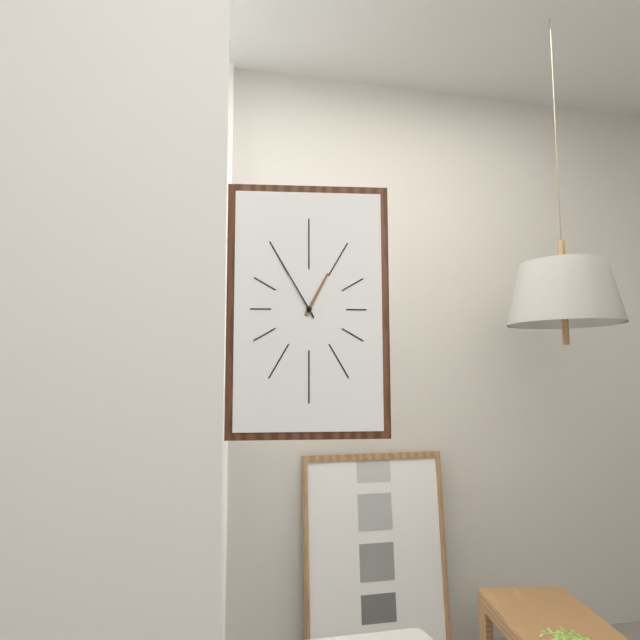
12:55
